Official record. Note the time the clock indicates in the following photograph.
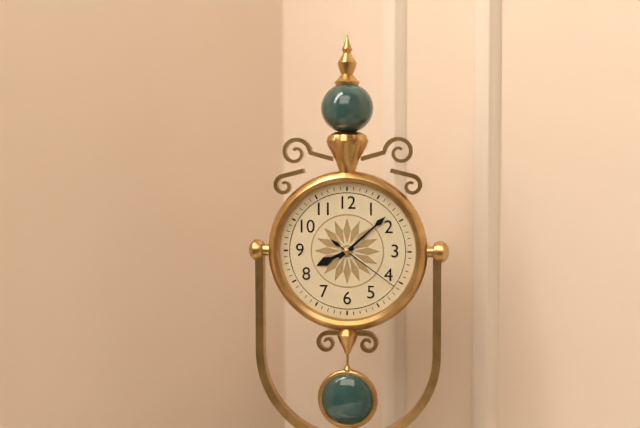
8:08:21
